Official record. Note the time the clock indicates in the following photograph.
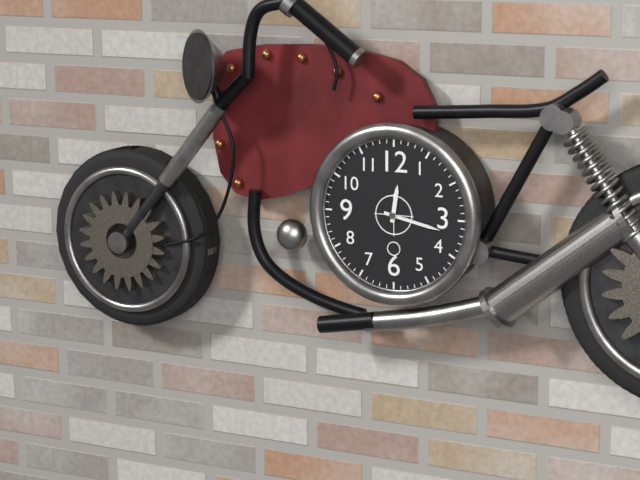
12:17
